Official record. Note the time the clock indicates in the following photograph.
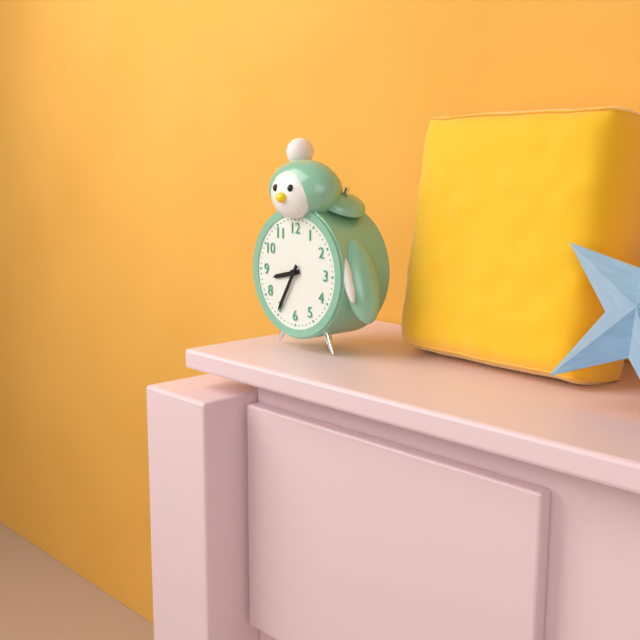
8:35
